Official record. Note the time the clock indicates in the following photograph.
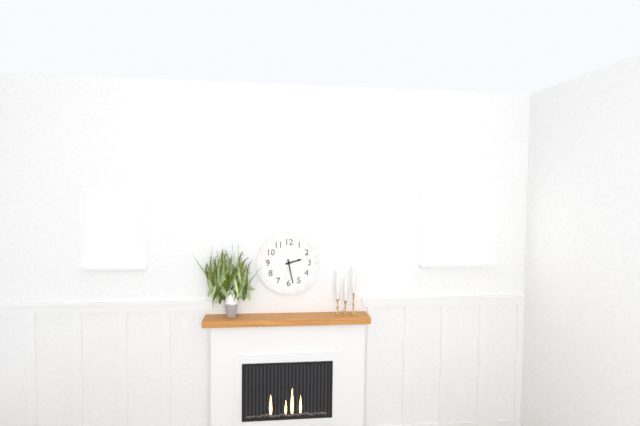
2:28
